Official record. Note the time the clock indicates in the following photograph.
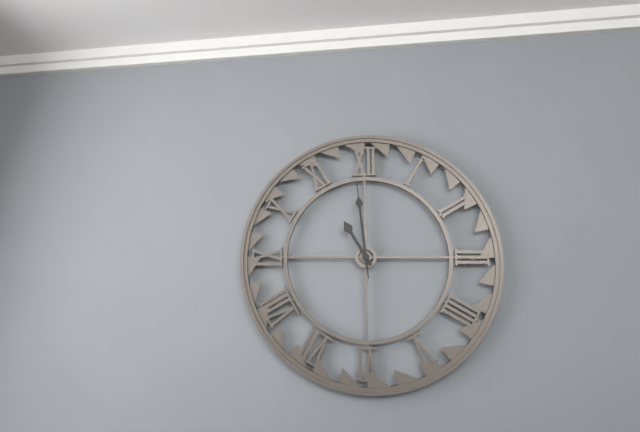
10:59:59
